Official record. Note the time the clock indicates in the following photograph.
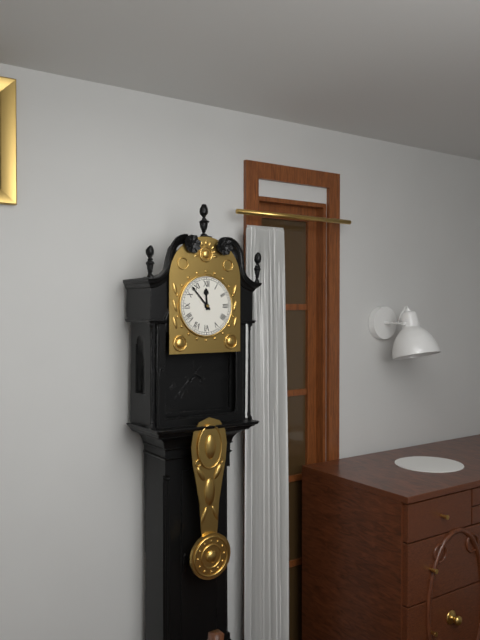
11:53
